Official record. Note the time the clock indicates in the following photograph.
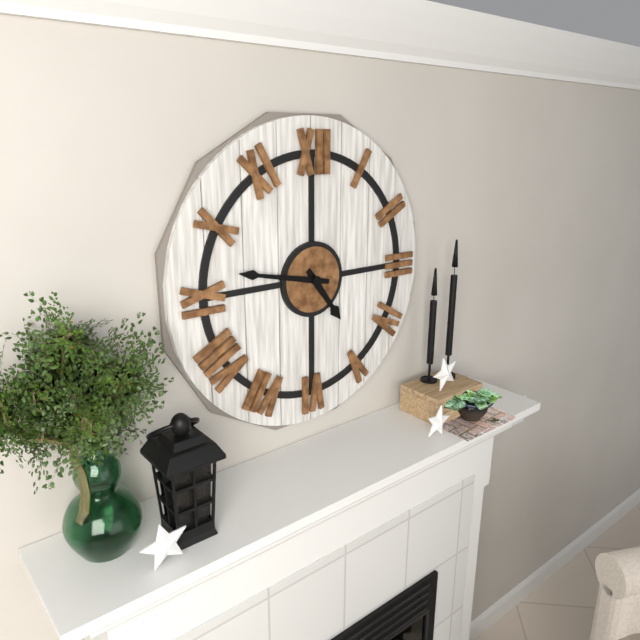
4:47
